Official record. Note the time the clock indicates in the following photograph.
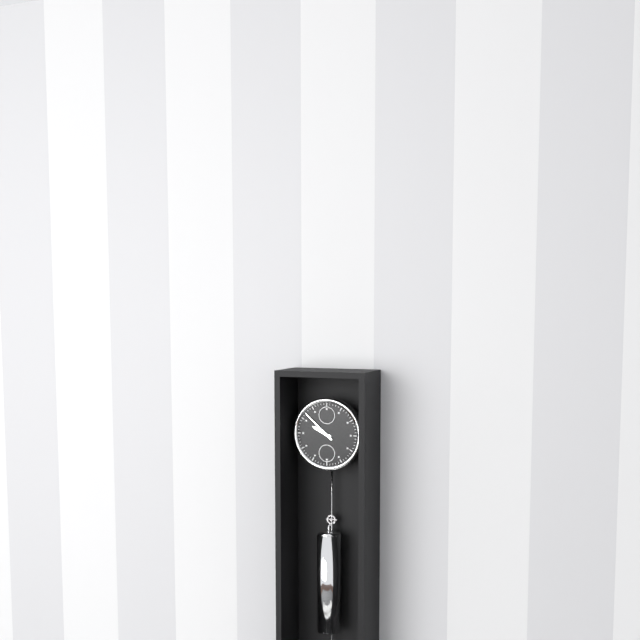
9:52
